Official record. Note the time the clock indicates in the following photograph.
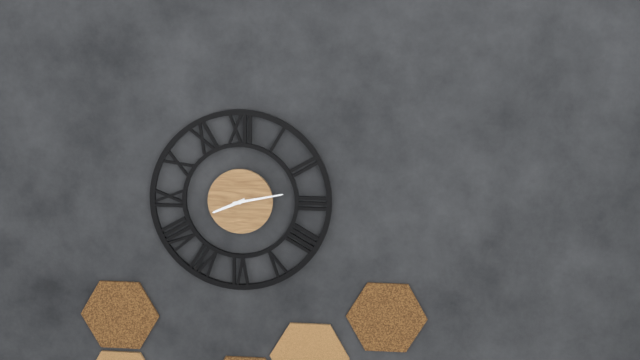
8:13
